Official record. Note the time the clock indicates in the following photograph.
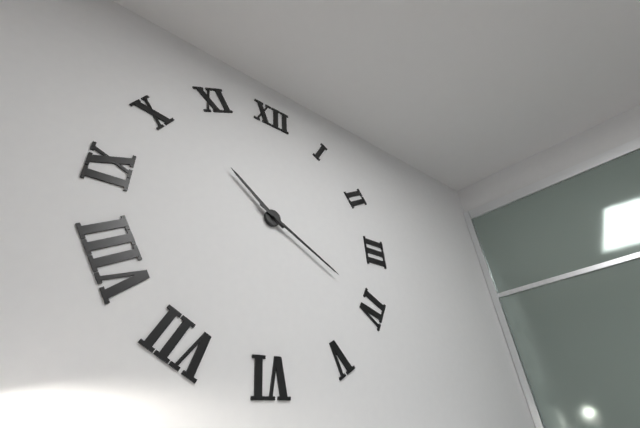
10:20
